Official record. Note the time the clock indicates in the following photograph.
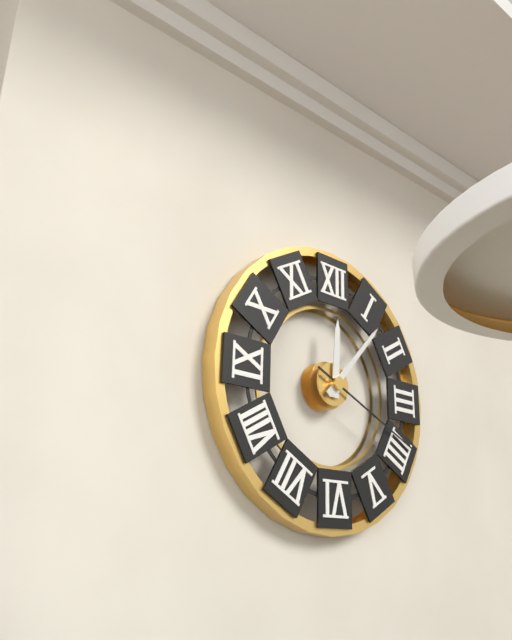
12:07:19
